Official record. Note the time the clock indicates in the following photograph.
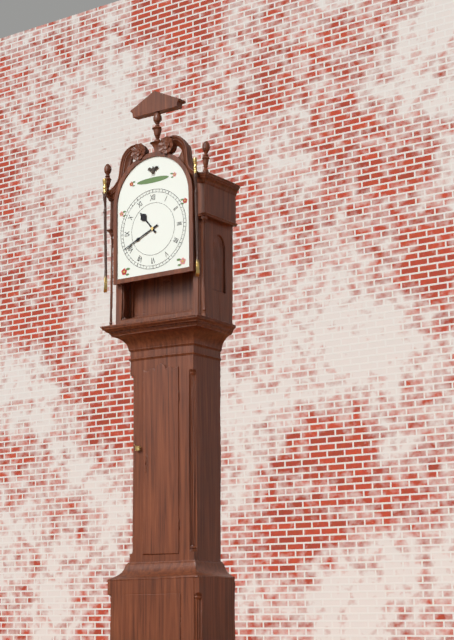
10:41
